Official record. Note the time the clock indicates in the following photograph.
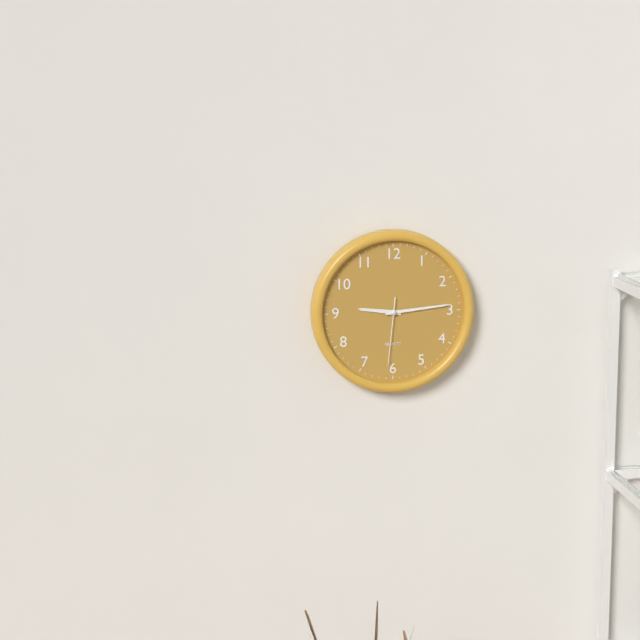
9:14:31
